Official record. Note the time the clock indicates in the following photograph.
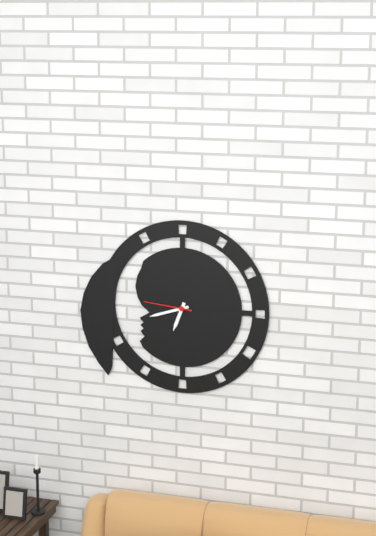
6:42
